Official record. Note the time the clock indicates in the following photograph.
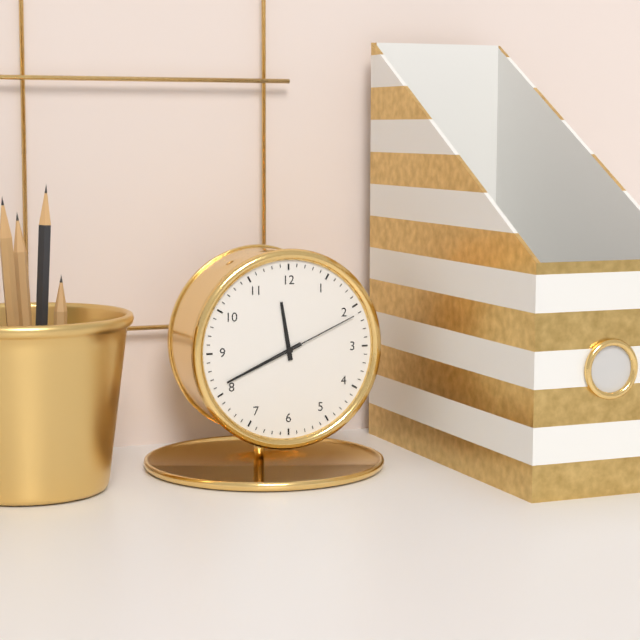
11:41:11
